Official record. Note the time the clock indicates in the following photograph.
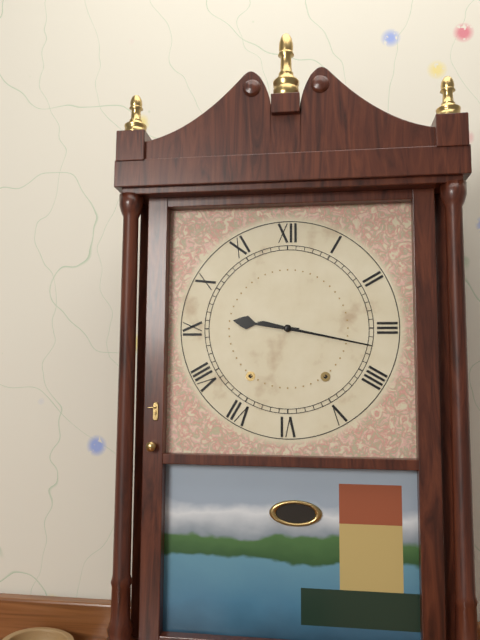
9:17
